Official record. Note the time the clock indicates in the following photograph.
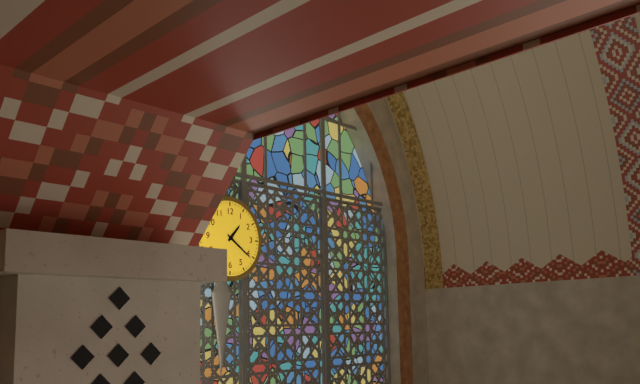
1:21
